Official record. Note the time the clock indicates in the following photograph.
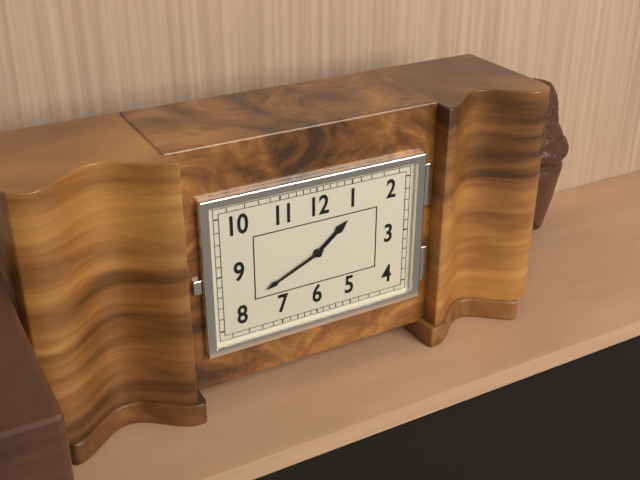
1:41
